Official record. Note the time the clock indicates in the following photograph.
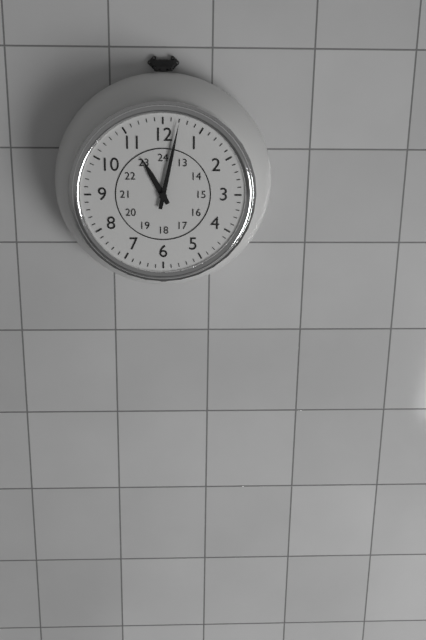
11:02
